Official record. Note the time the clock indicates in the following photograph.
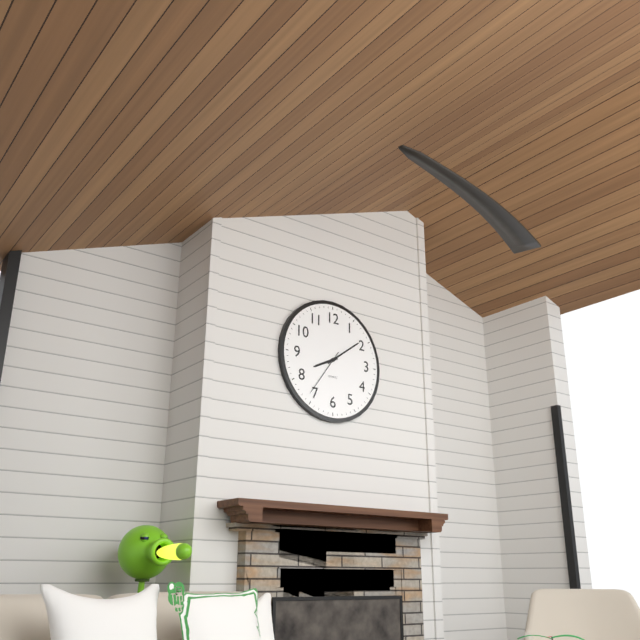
8:09:36
